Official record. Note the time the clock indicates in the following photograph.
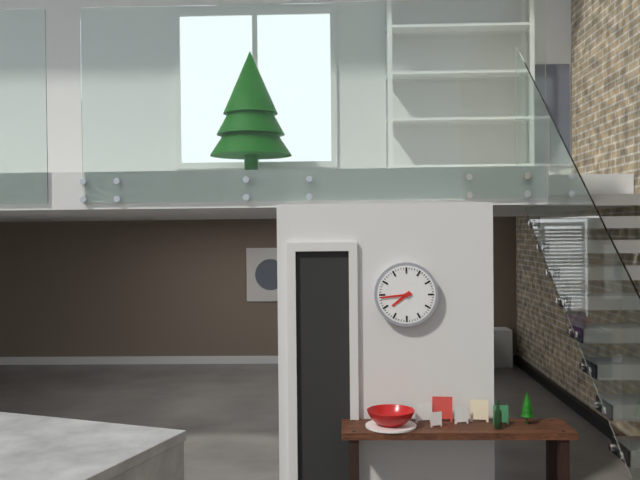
7:44
